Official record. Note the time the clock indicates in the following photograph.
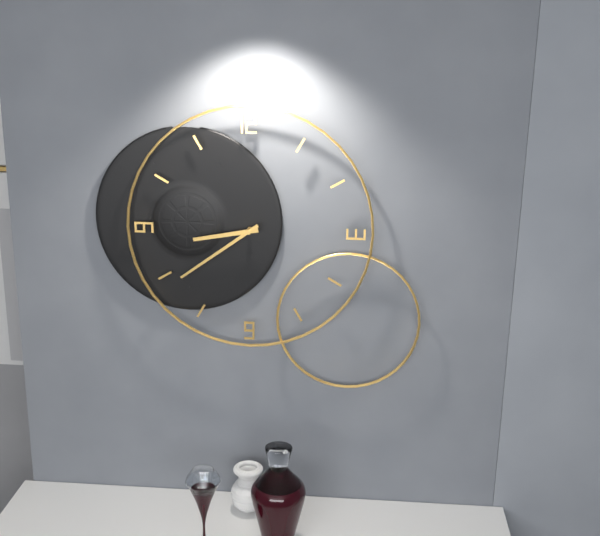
8:39
